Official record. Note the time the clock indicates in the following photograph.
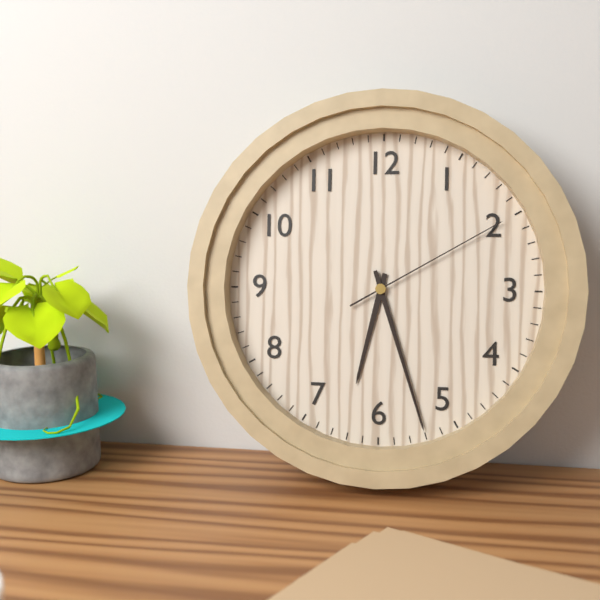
6:27:10
